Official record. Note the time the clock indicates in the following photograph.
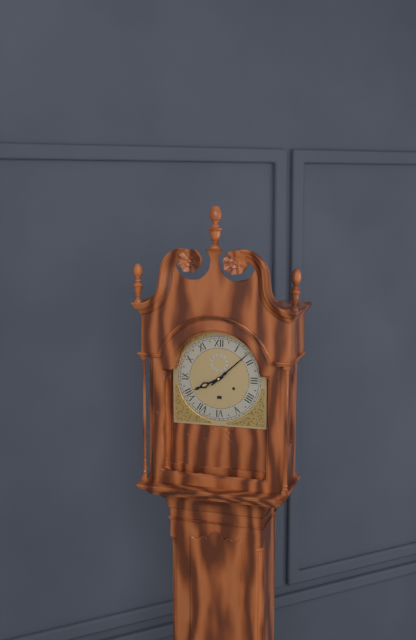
8:08
